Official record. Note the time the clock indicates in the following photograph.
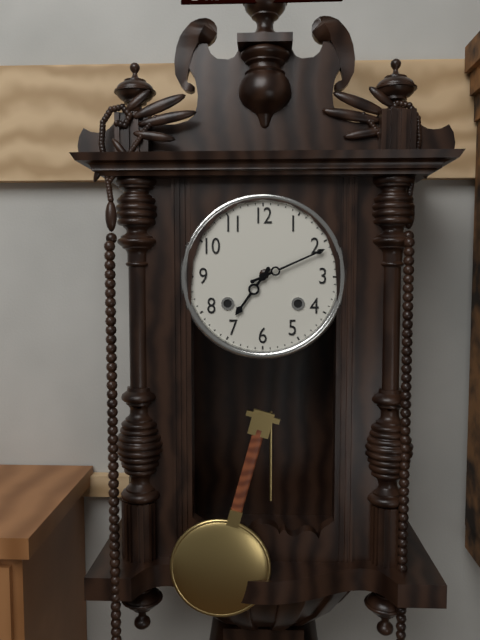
7:11
